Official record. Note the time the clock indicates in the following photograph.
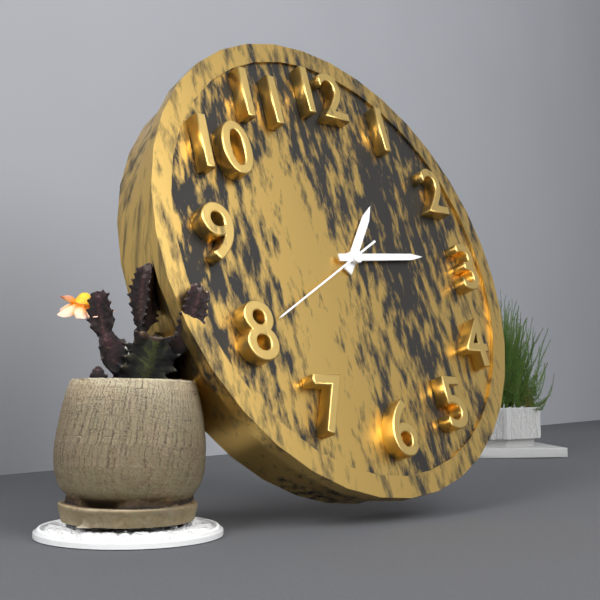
1:14:40
